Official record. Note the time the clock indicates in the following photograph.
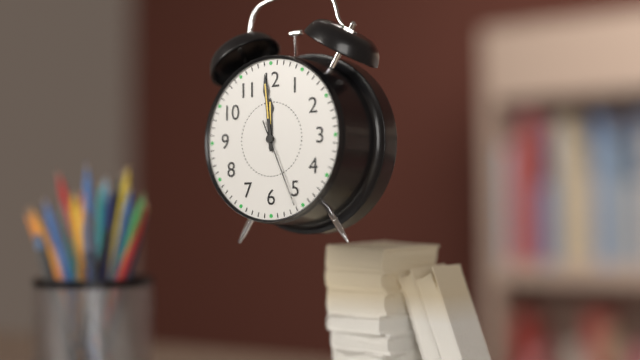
11:59:26
